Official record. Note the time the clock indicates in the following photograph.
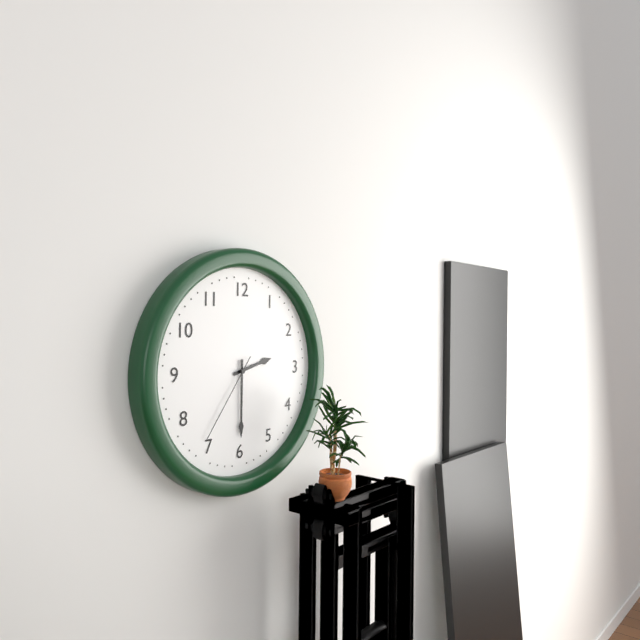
2:30:36
